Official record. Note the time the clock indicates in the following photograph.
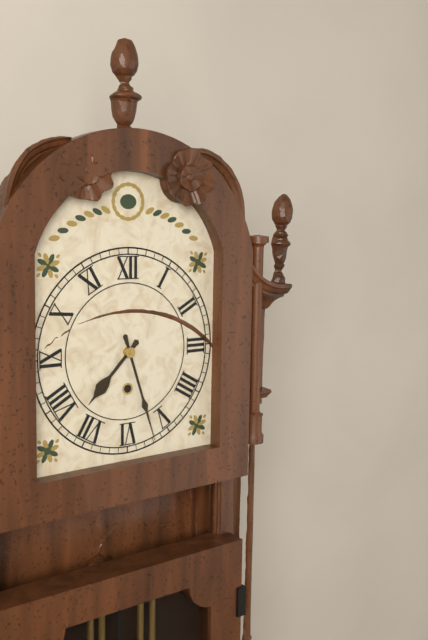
7:27
